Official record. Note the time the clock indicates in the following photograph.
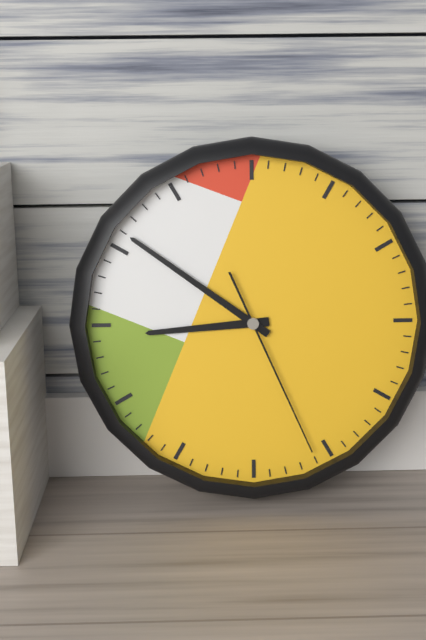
8:51:26
